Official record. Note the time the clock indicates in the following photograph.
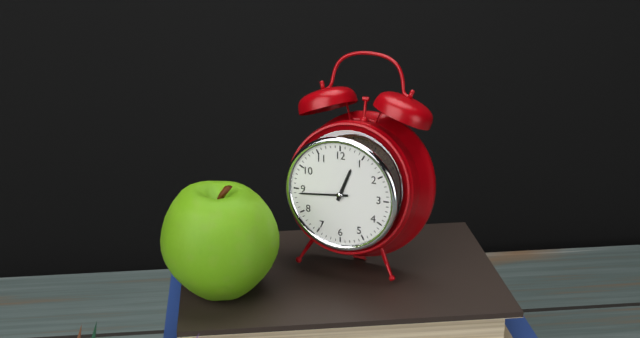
12:44
